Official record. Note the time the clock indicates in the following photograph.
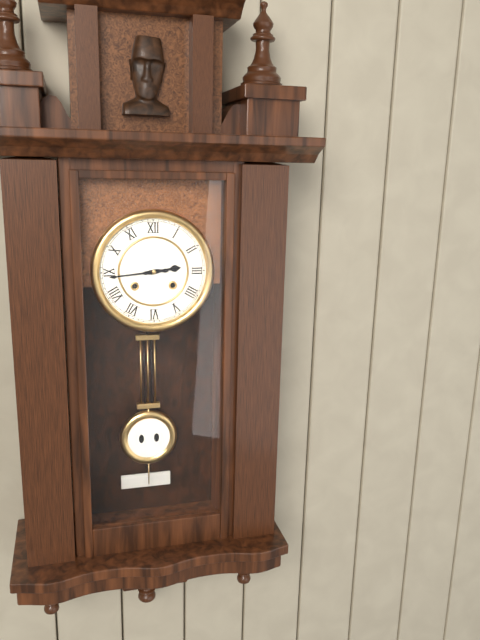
2:44
